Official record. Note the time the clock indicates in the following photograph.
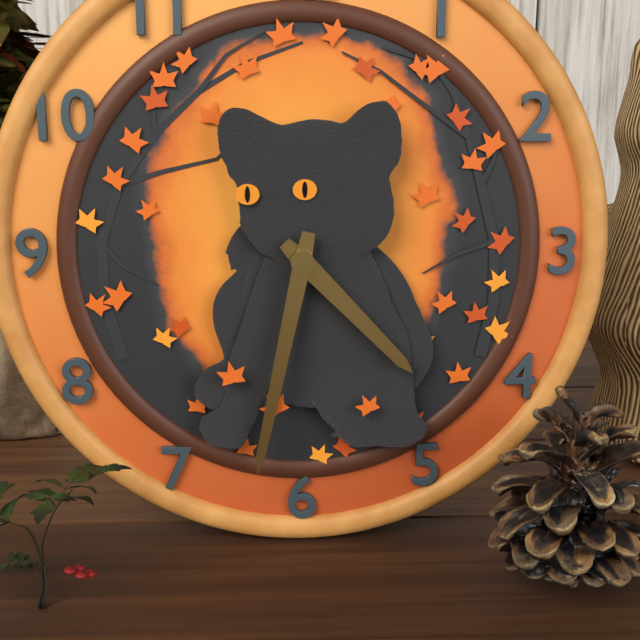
4:32
